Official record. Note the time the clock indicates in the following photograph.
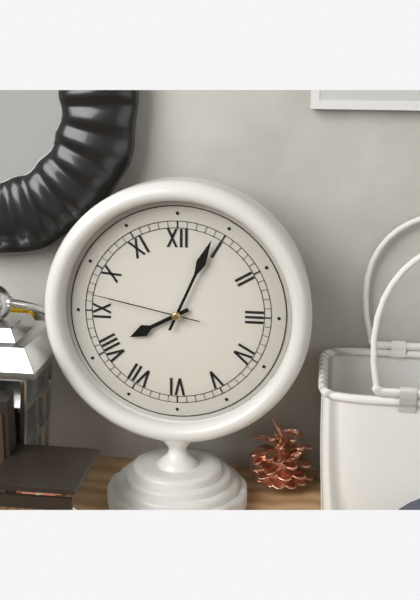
8:04:47
